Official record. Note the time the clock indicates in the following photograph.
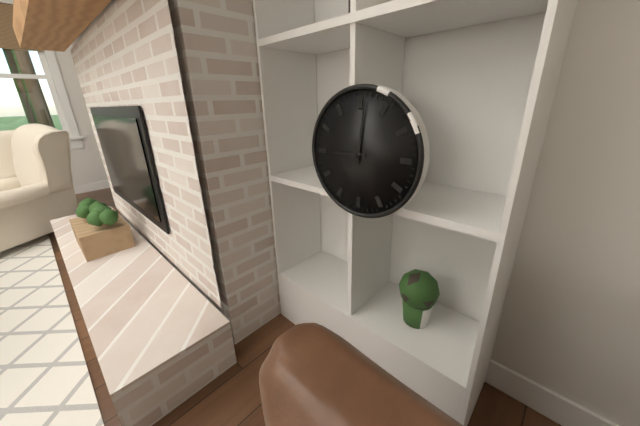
9:01
